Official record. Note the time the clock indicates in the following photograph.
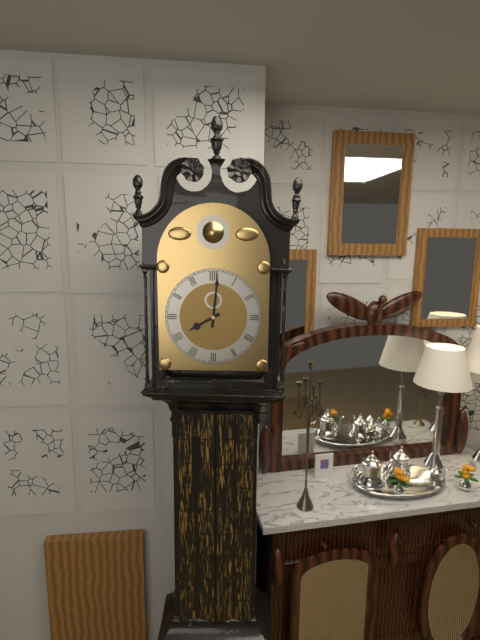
8:01
